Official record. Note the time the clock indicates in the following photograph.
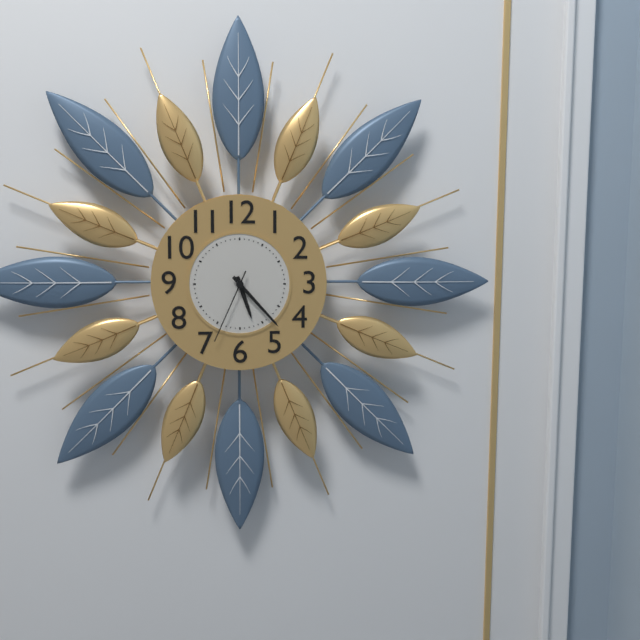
5:23:34
